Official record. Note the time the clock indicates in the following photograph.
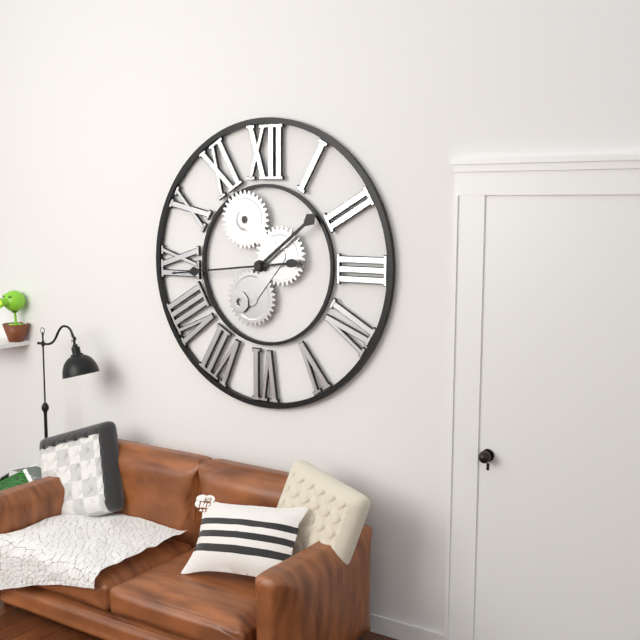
1:44
